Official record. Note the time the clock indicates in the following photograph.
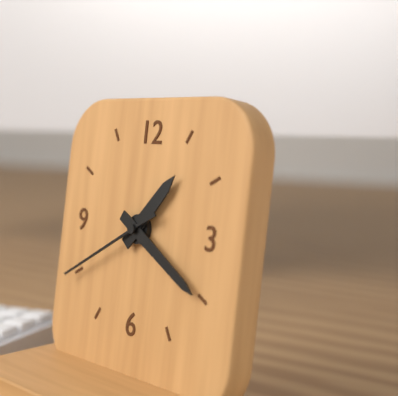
1:20:40
